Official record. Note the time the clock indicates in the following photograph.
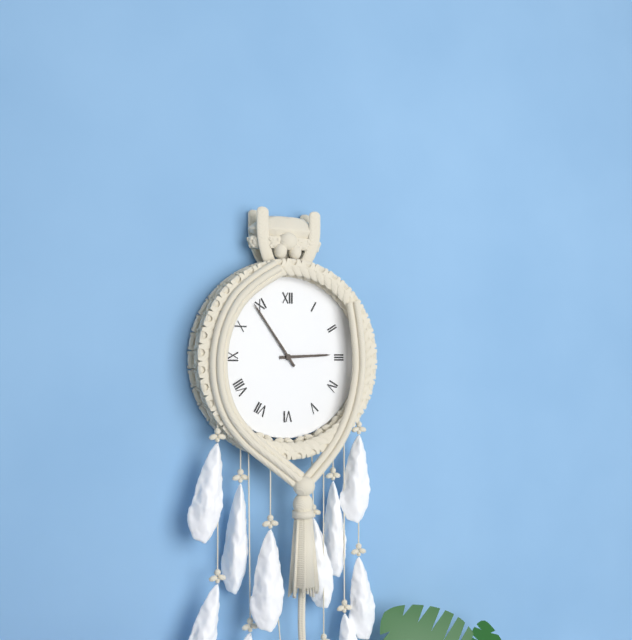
2:54
